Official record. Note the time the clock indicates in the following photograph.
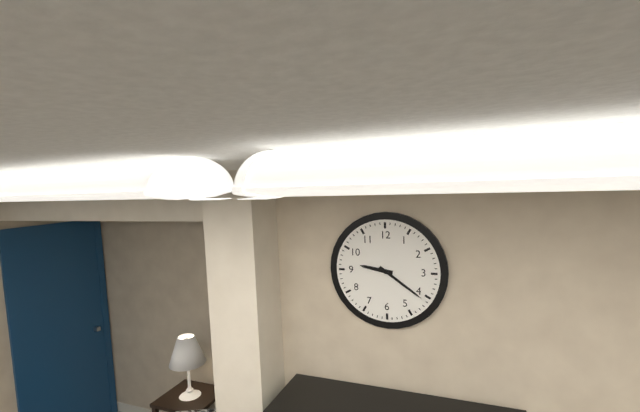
9:21
